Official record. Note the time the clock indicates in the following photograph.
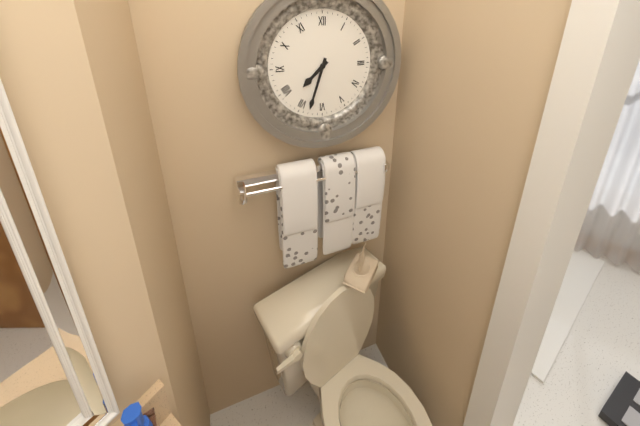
7:33
